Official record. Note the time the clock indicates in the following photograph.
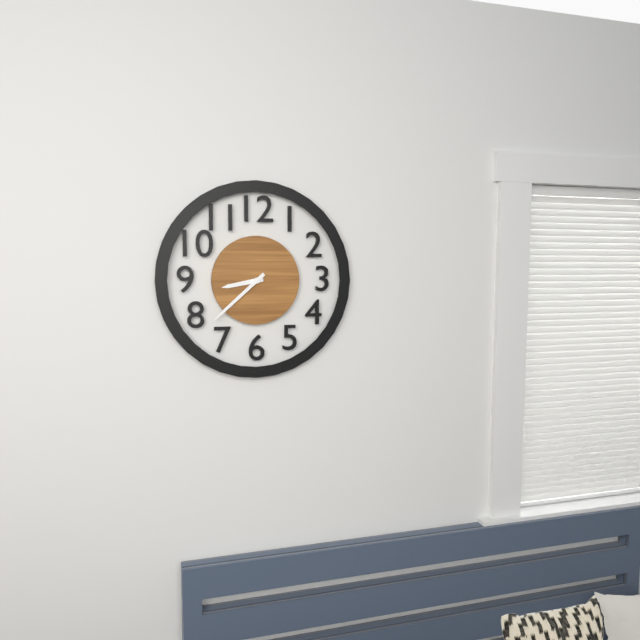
8:38
